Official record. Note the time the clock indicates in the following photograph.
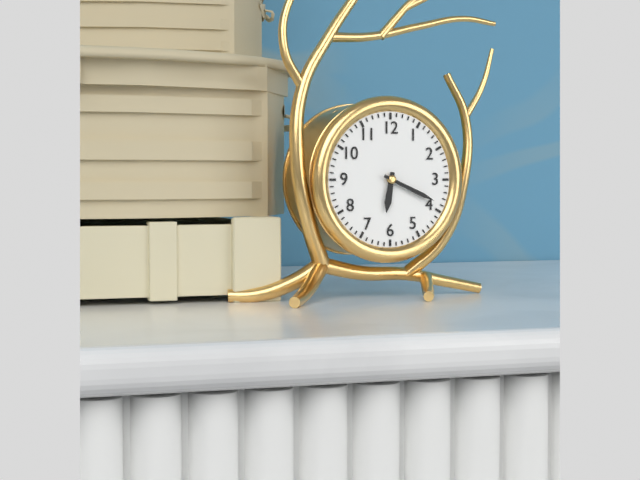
6:19
